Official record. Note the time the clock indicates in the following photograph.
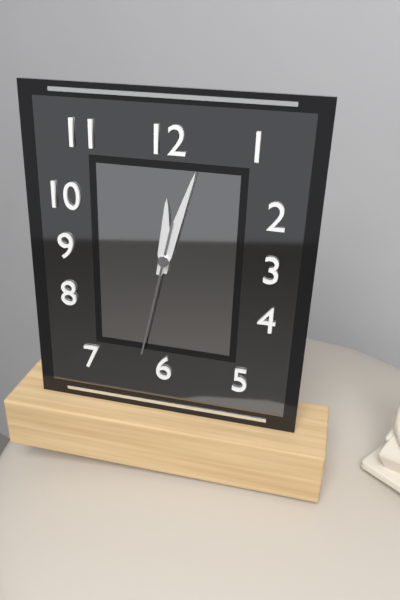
12:03:32
